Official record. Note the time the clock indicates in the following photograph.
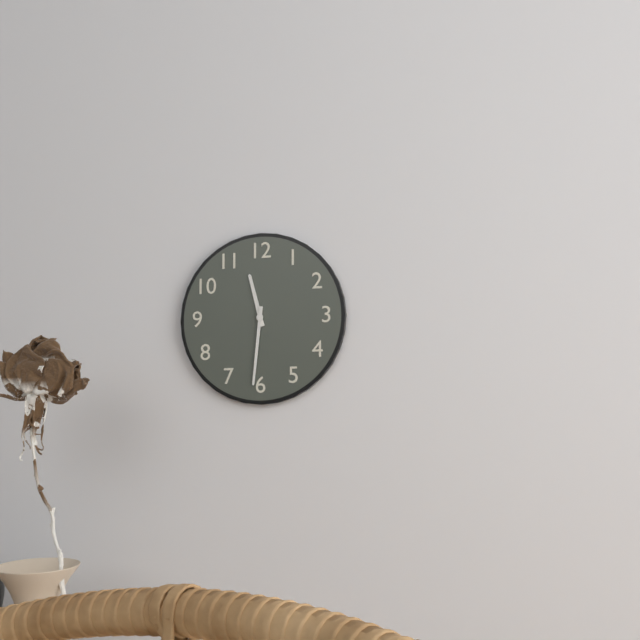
11:31
